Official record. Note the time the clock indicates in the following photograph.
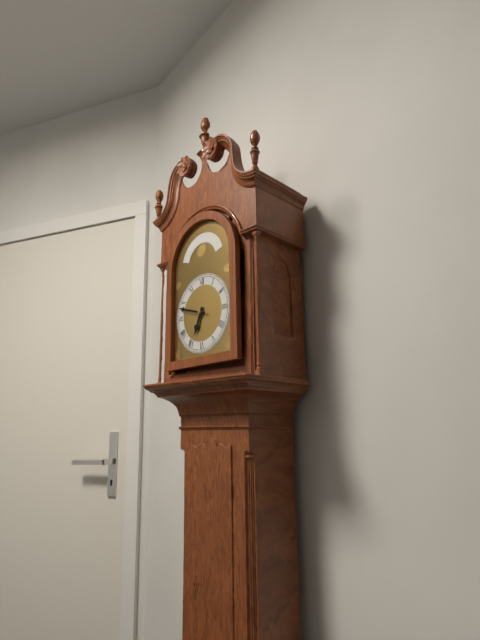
6:48
